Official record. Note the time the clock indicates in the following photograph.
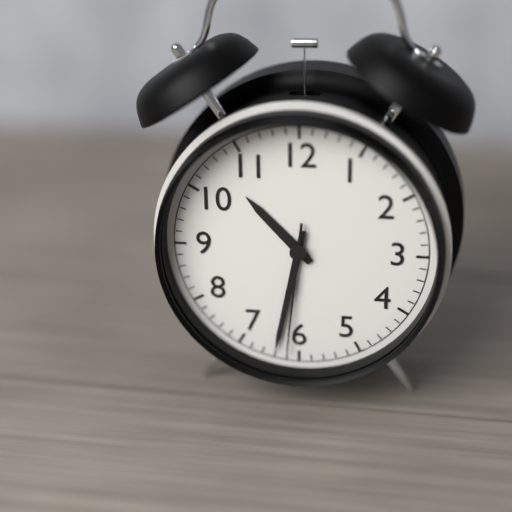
10:32:31
